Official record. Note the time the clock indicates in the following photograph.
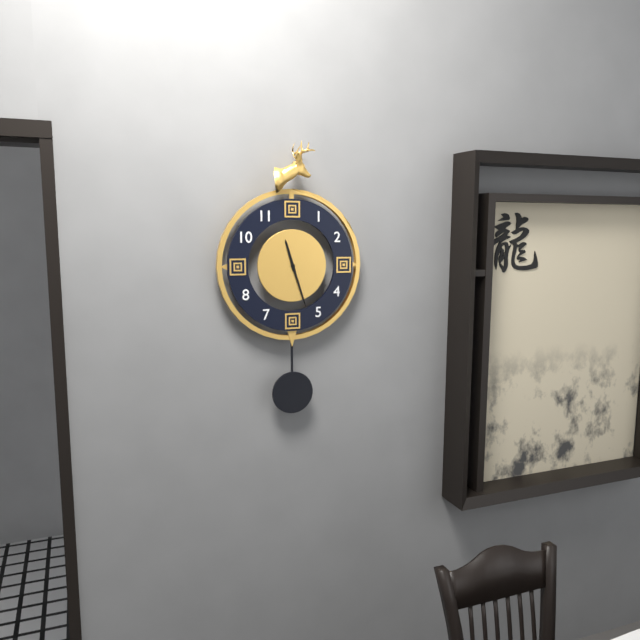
11:27
